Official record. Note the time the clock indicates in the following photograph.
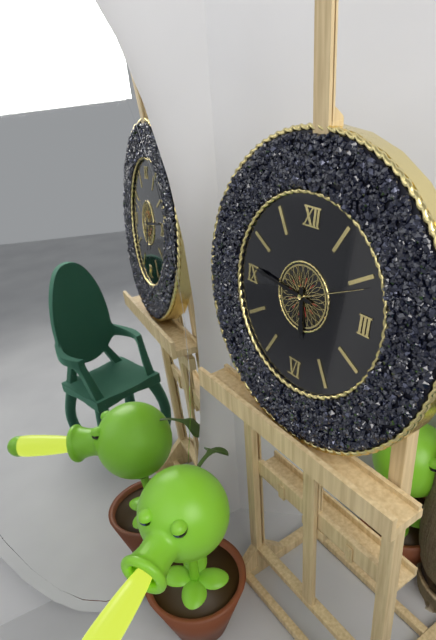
5:46:11
